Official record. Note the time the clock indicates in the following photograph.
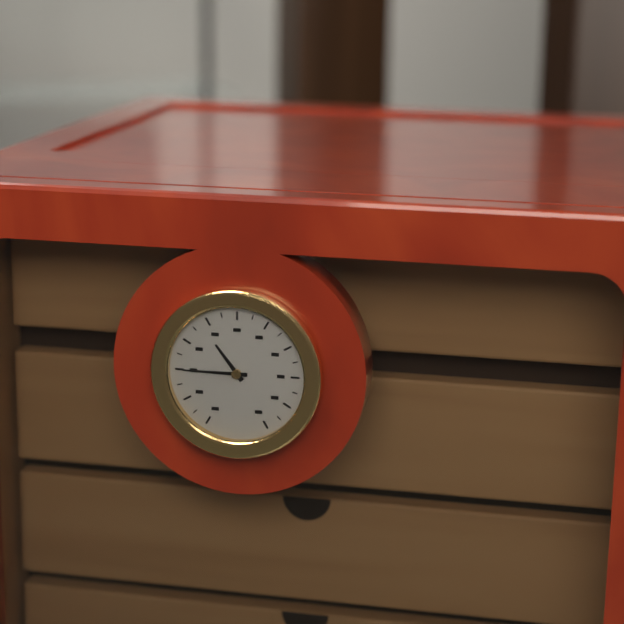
10:45
